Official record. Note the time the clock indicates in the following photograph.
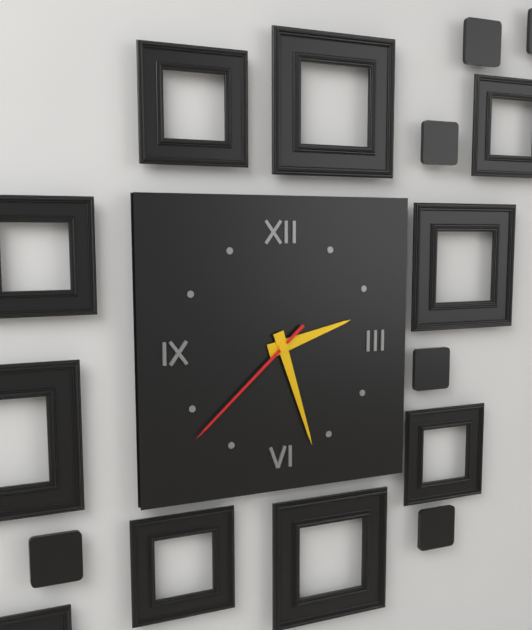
2:27:38
